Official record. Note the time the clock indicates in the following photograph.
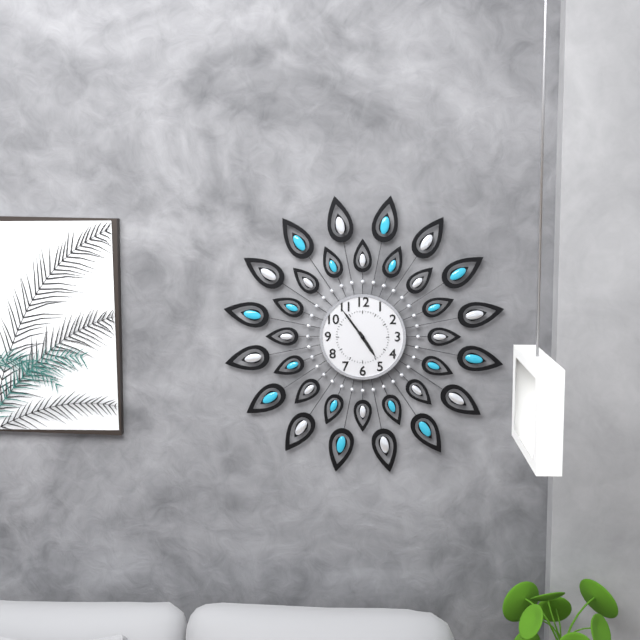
4:54
